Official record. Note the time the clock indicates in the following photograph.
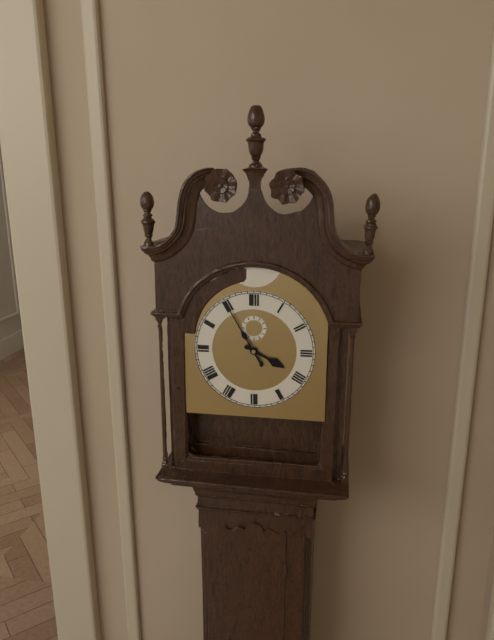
3:55
